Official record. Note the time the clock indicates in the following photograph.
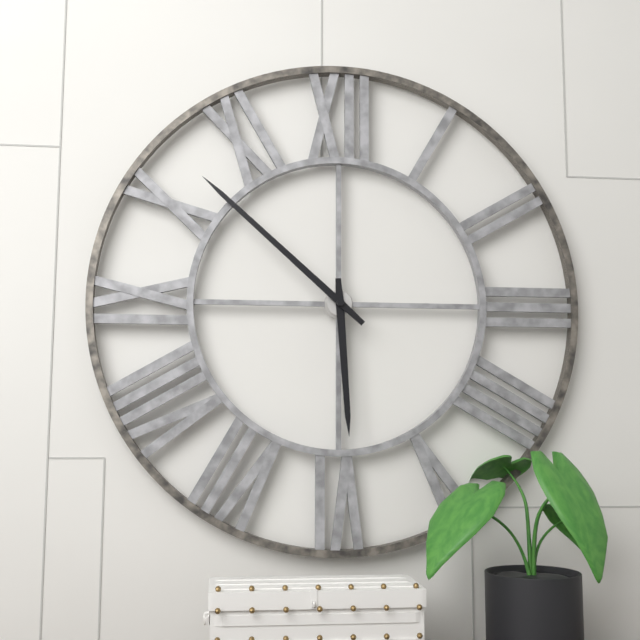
5:52
